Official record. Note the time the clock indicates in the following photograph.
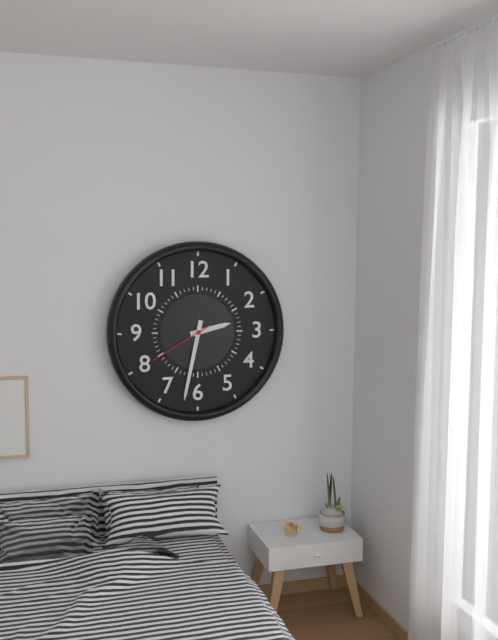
2:32:40
